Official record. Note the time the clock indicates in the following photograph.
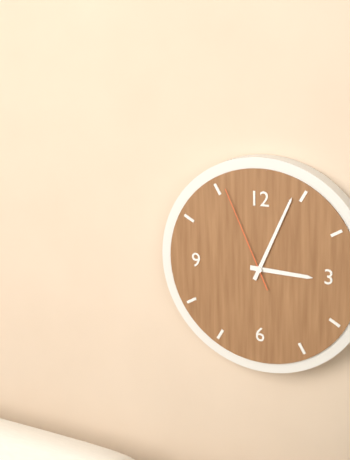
3:04:56
